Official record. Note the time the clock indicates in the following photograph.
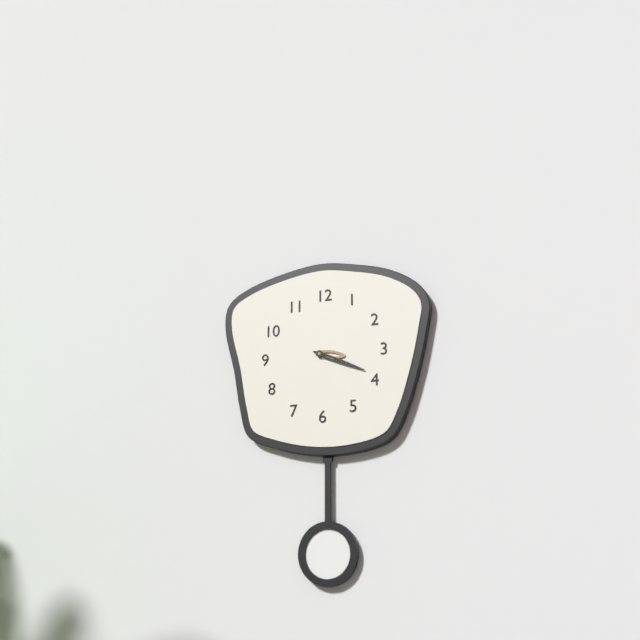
3:19
